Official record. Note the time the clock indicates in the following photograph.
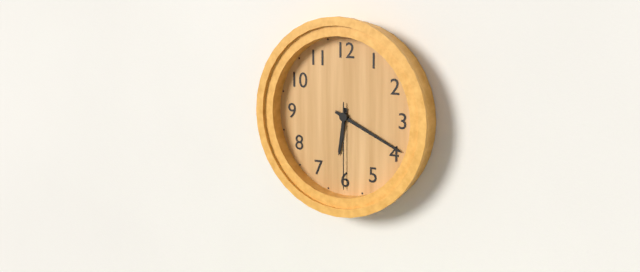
6:19:30
